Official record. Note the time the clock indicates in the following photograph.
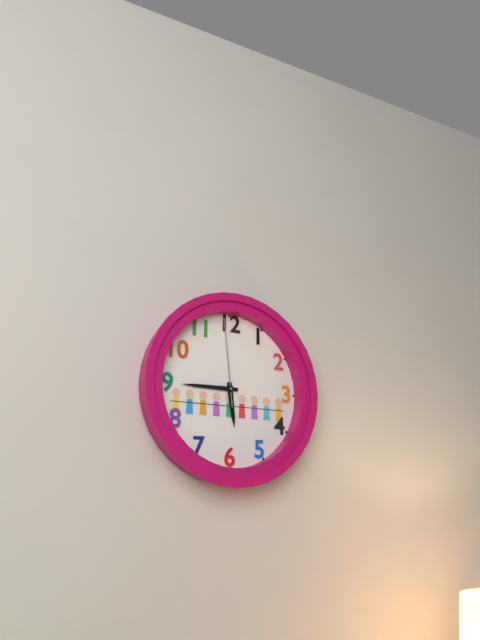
5:45:59
